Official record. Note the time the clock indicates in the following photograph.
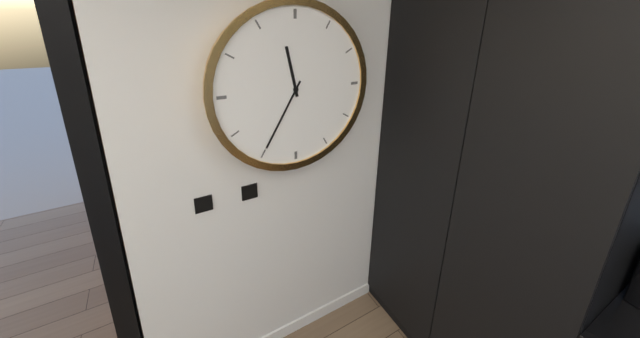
11:35
